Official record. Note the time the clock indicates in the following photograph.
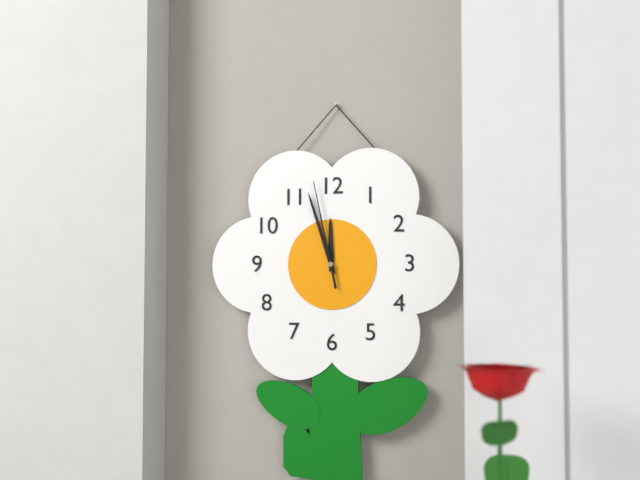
11:57:58
